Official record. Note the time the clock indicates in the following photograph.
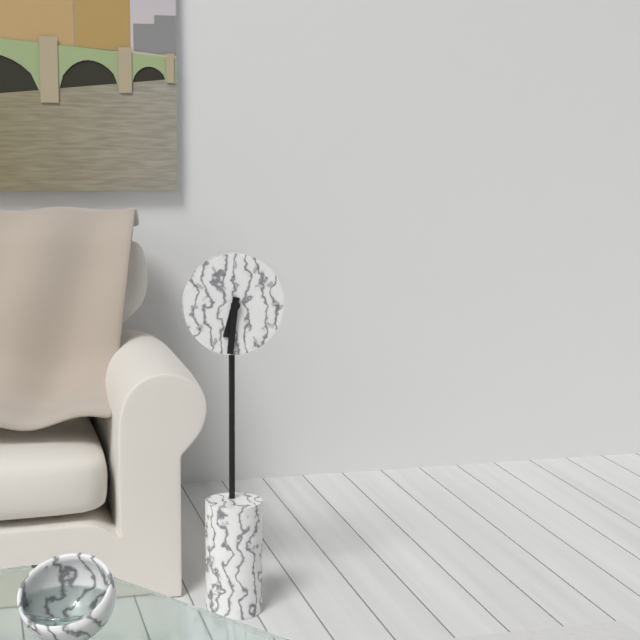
6:31
